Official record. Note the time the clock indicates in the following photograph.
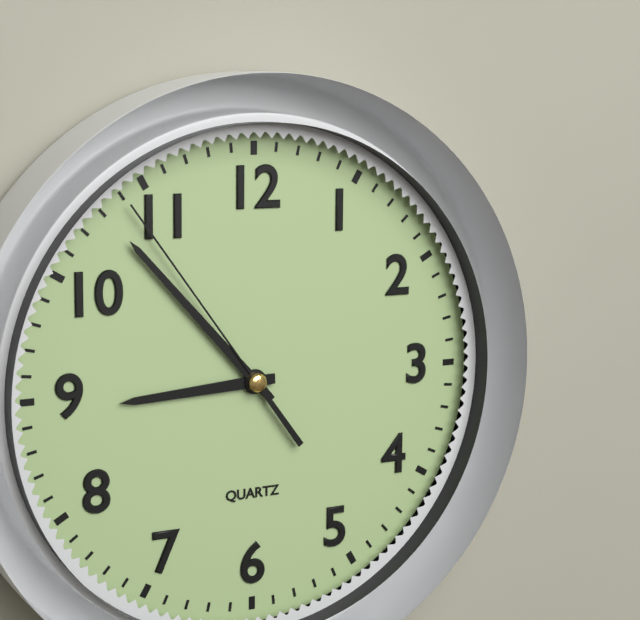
8:53:54
